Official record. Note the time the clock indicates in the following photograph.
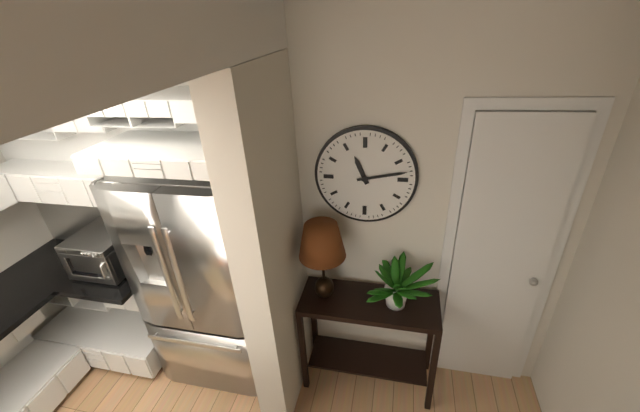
11:13
